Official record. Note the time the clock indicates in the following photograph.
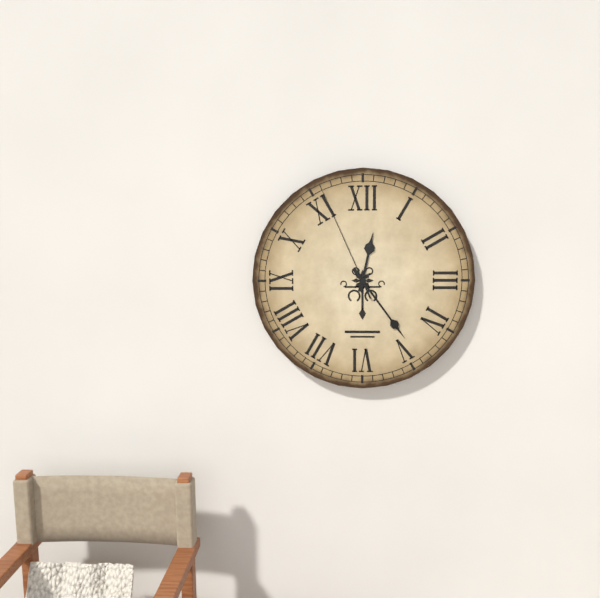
12:24:56
